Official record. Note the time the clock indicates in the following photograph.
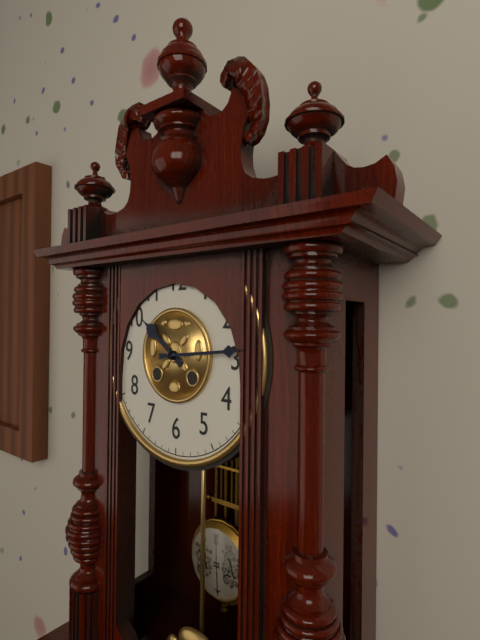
10:14
